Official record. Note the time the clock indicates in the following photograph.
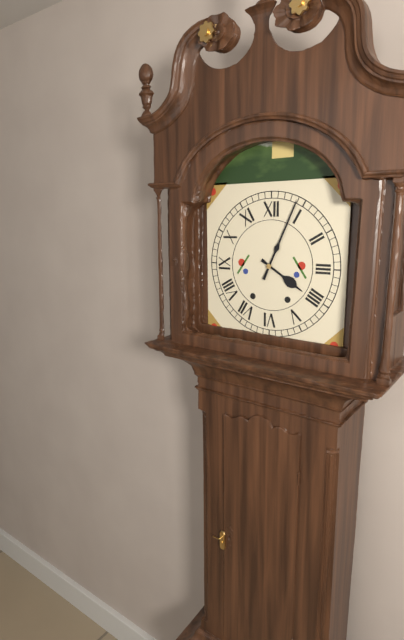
4:04
